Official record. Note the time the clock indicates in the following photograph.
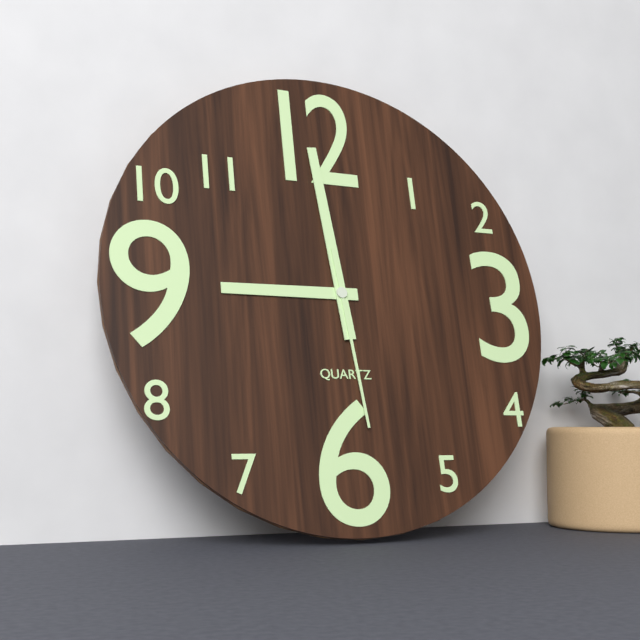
8:59:29
